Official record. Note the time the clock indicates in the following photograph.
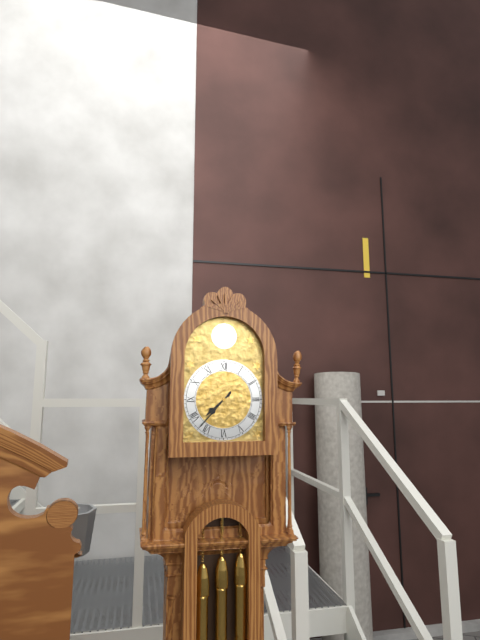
7:37
